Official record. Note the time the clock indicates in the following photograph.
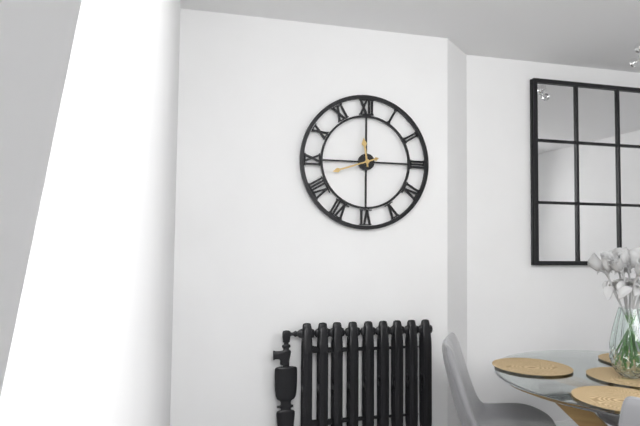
11:42
